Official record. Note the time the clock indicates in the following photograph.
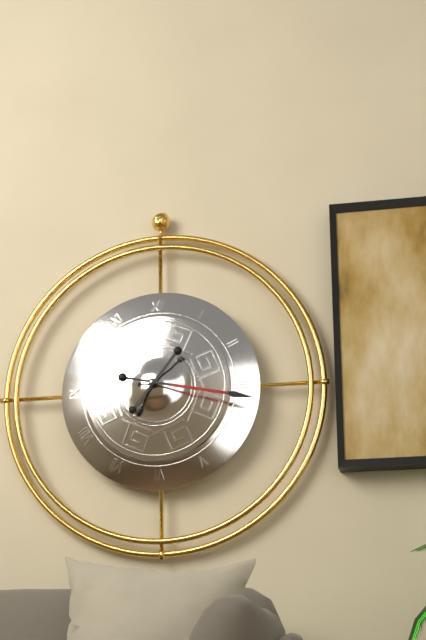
1:17
